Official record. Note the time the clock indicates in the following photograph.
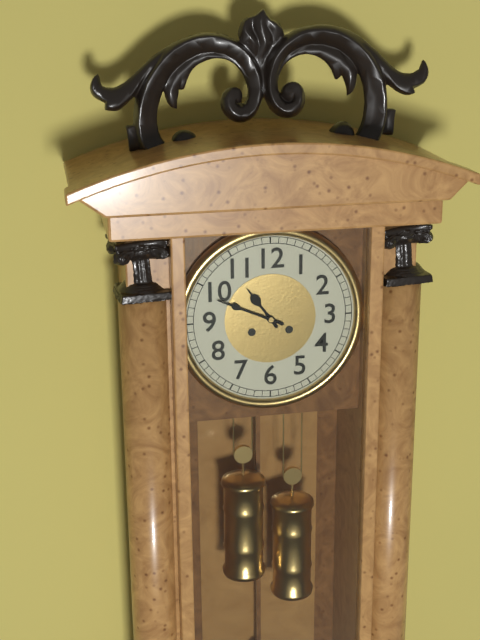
10:49
